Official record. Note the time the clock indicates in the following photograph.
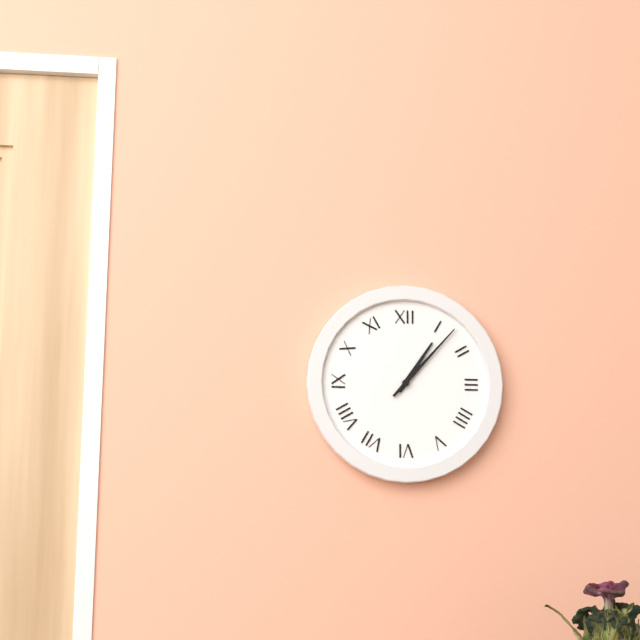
1:07
